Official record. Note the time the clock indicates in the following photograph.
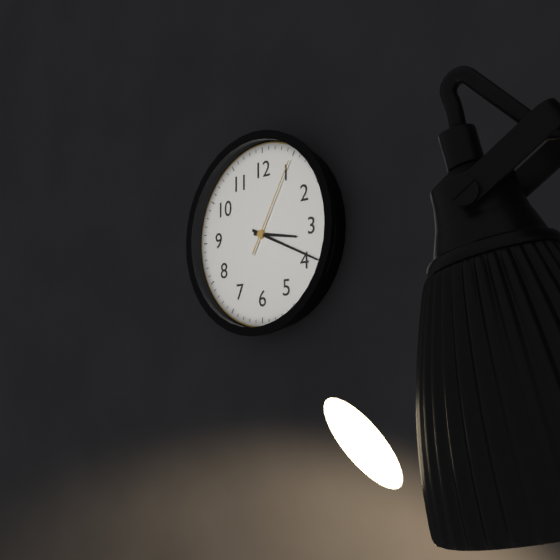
3:19:05
